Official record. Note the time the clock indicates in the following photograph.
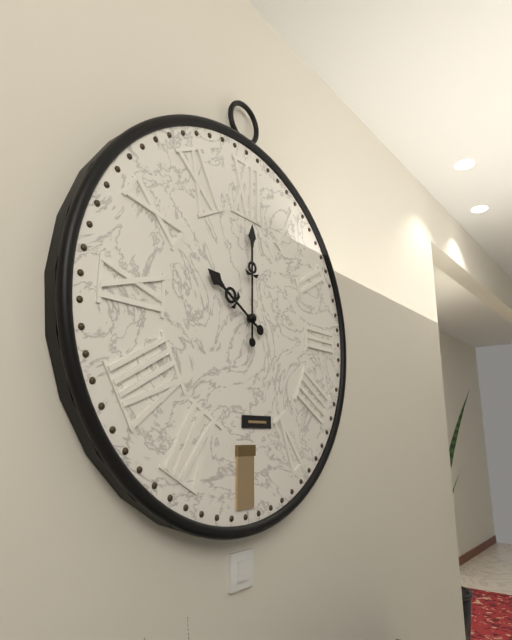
10:00
